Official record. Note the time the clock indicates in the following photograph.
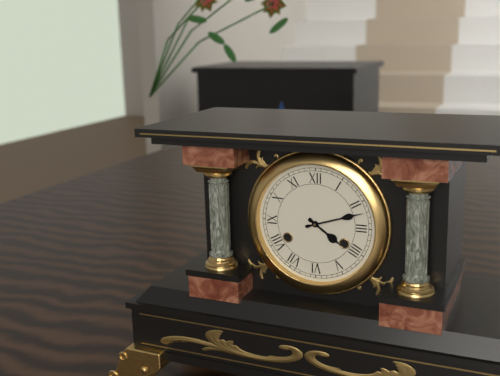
4:12
